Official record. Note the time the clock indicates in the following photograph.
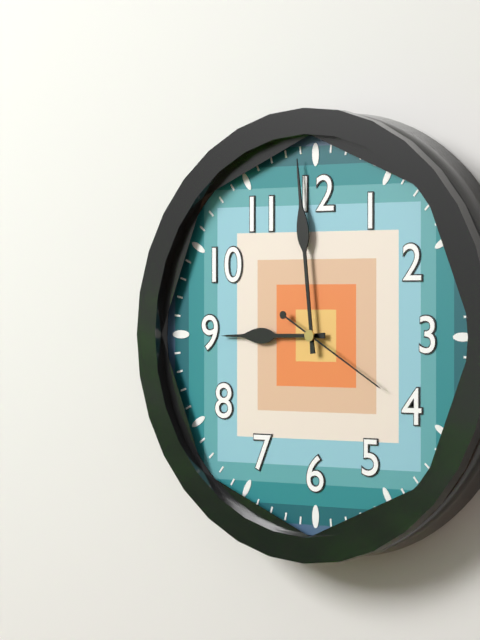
8:59:20
